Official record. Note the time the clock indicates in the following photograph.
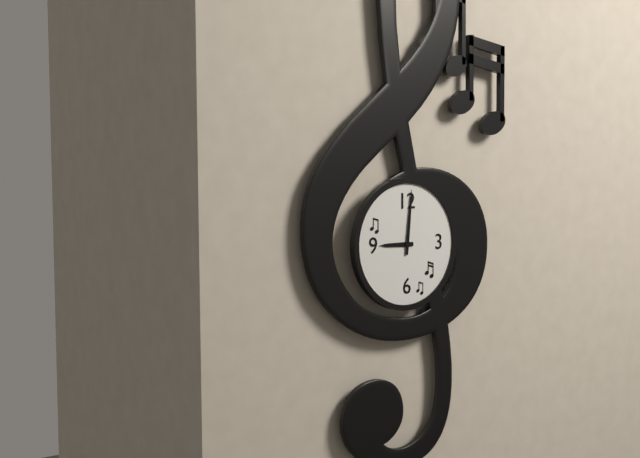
9:01
